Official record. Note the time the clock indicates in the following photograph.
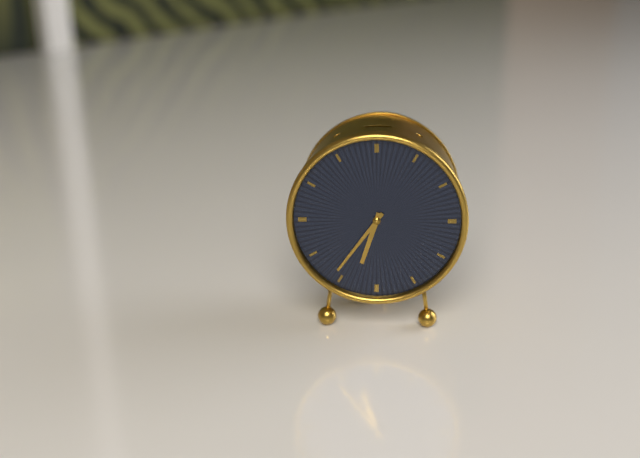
6:36
